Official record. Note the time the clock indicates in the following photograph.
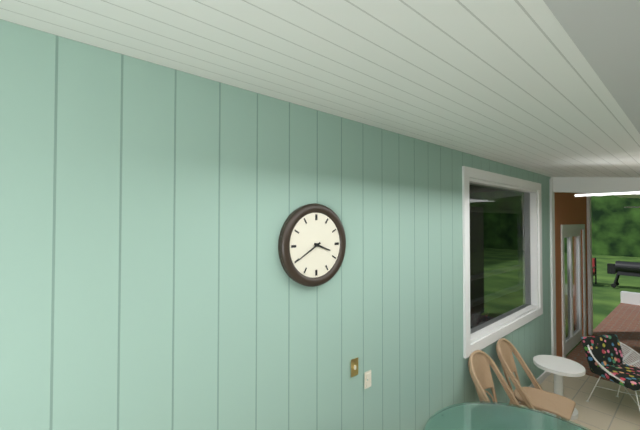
3:40
